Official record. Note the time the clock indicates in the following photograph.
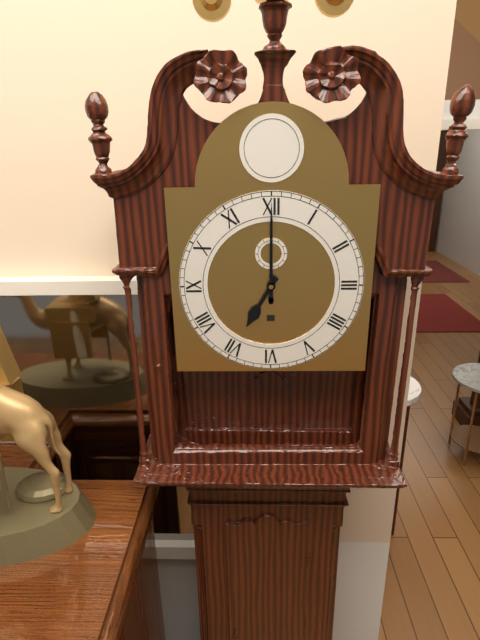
7:00
